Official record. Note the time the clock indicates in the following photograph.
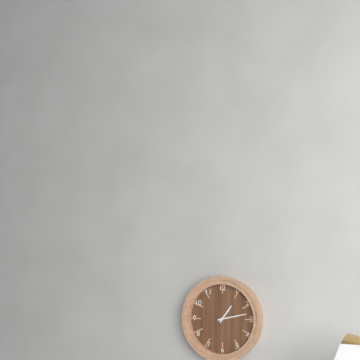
1:13
